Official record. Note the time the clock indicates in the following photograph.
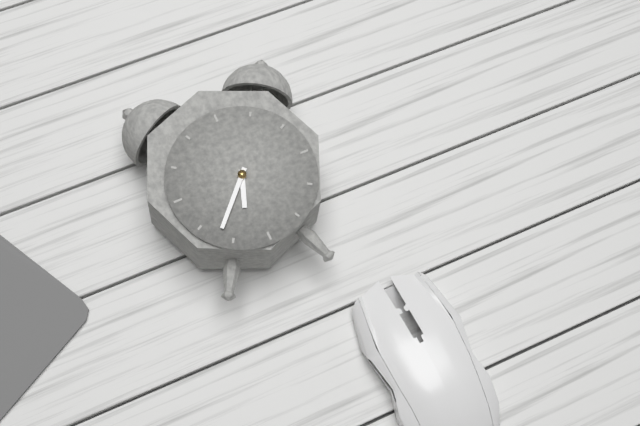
6:37
